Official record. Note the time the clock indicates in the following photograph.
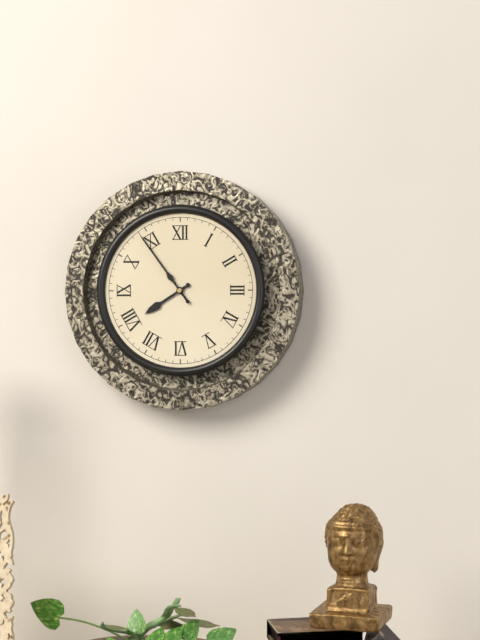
7:54
